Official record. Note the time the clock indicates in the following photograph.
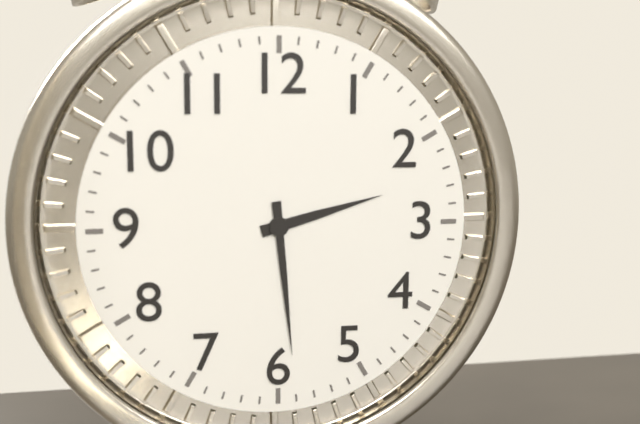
2:29
